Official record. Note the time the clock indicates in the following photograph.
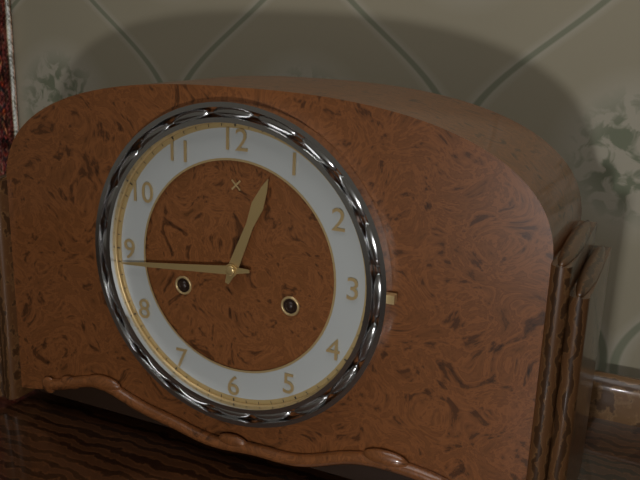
12:44
